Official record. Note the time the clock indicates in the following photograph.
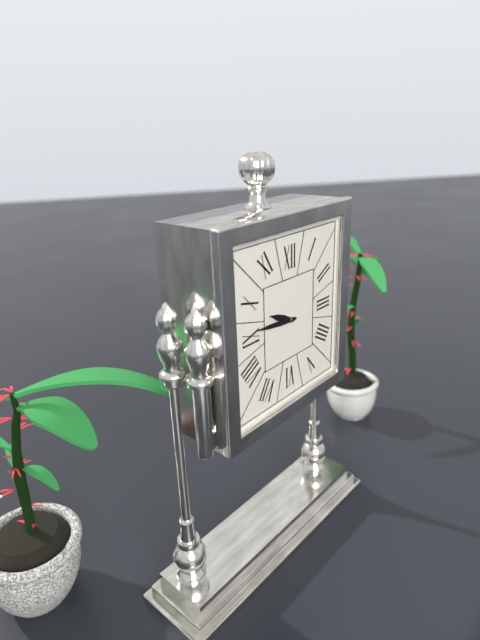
9:46
